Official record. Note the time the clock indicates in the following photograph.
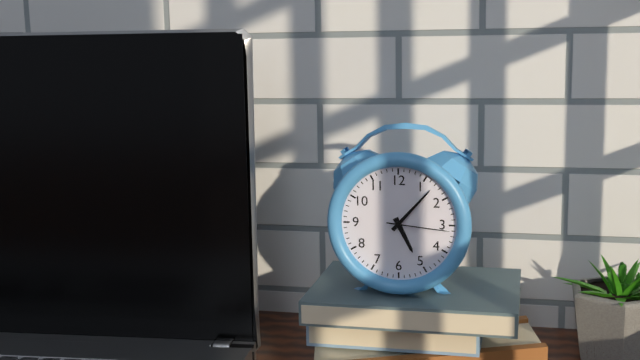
5:07:16
